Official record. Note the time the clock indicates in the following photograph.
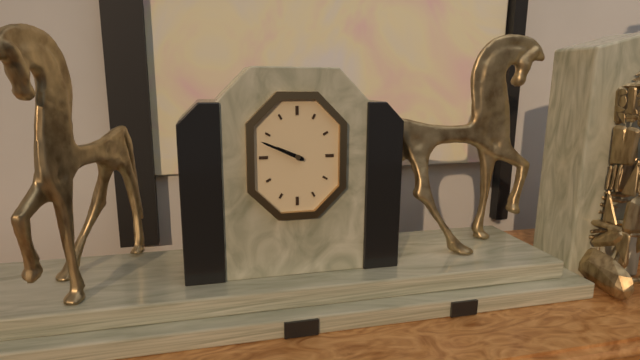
9:49
